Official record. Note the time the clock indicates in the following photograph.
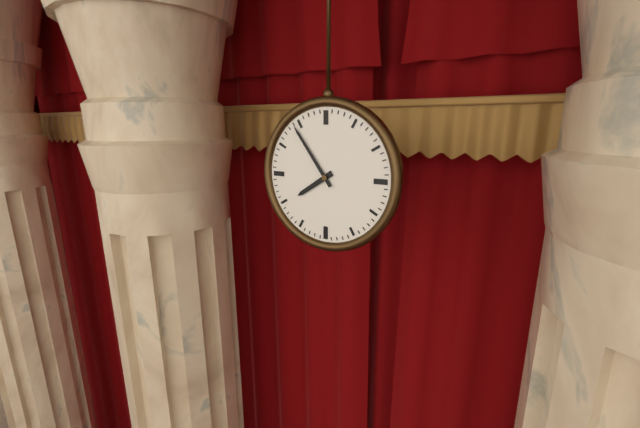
7:54
